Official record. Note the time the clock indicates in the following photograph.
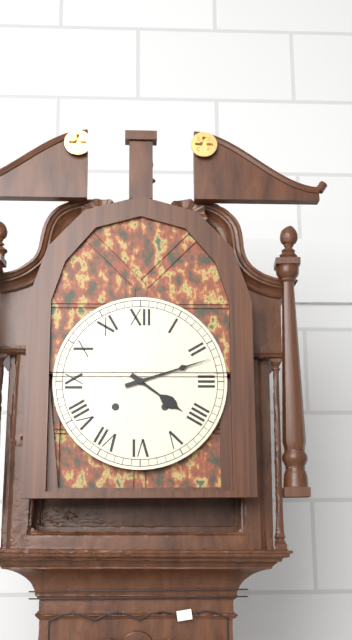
4:12
